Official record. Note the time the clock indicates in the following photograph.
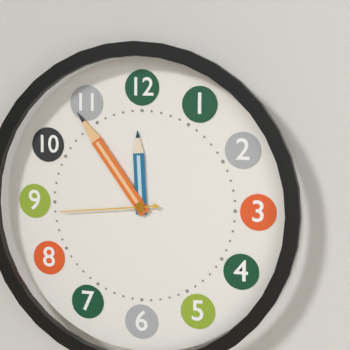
11:54:44
